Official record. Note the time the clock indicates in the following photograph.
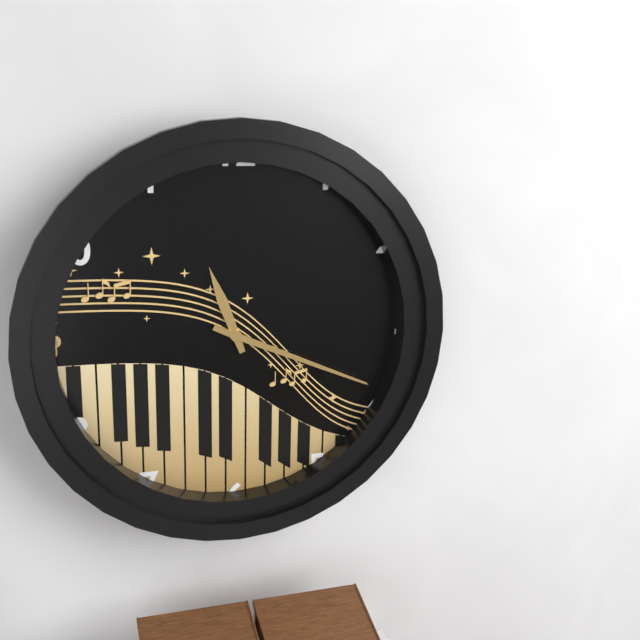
11:19
